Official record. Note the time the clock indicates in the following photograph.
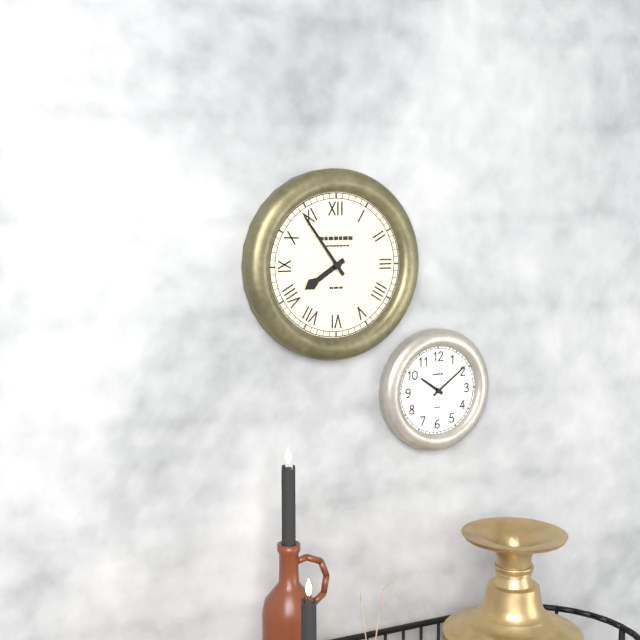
7:54
